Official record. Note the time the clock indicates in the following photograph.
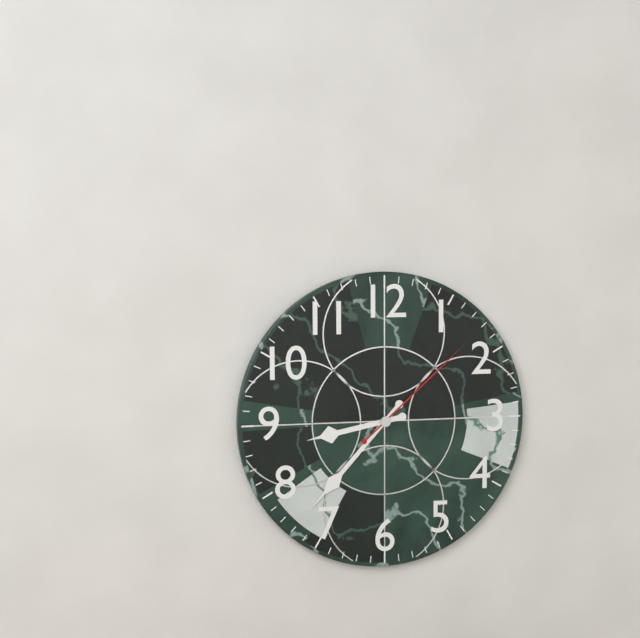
8:37:08
